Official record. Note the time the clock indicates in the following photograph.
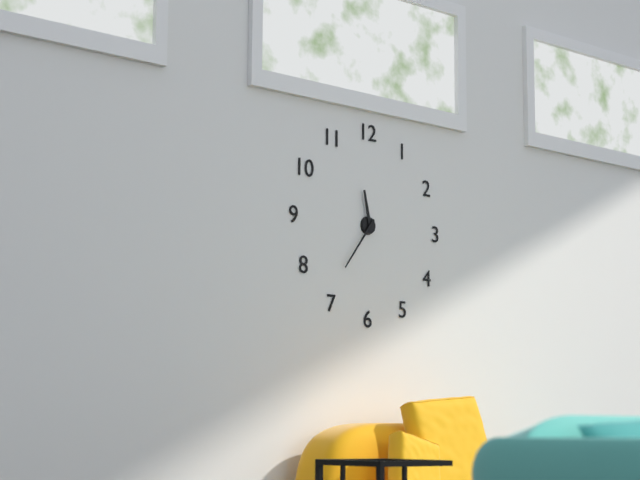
11:36
